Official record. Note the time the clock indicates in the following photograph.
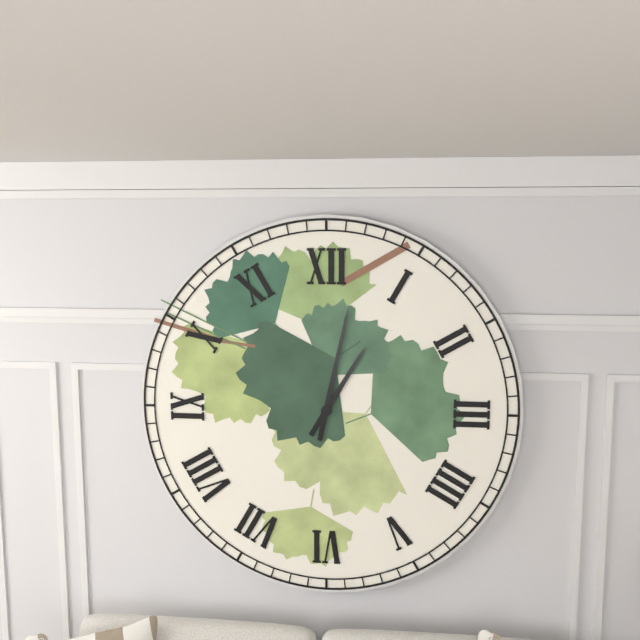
1:02
